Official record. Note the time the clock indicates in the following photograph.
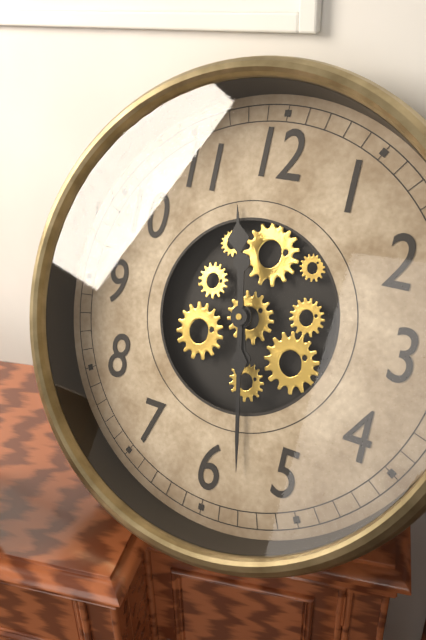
11:28
